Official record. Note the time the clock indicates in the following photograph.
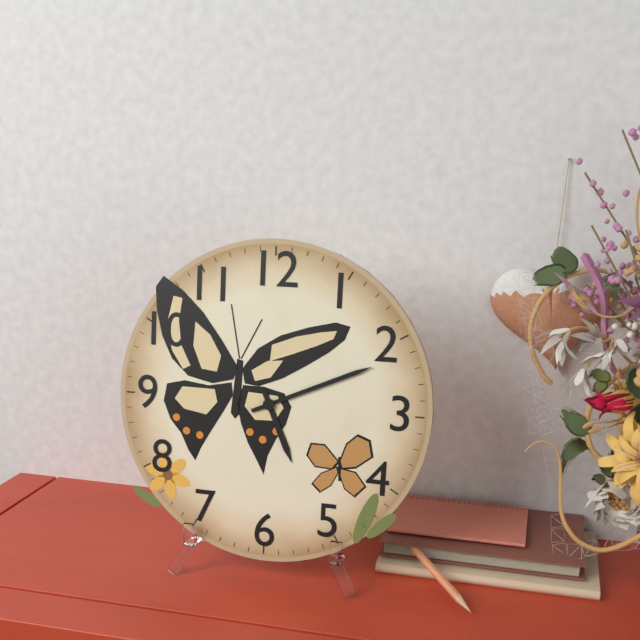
5:11
